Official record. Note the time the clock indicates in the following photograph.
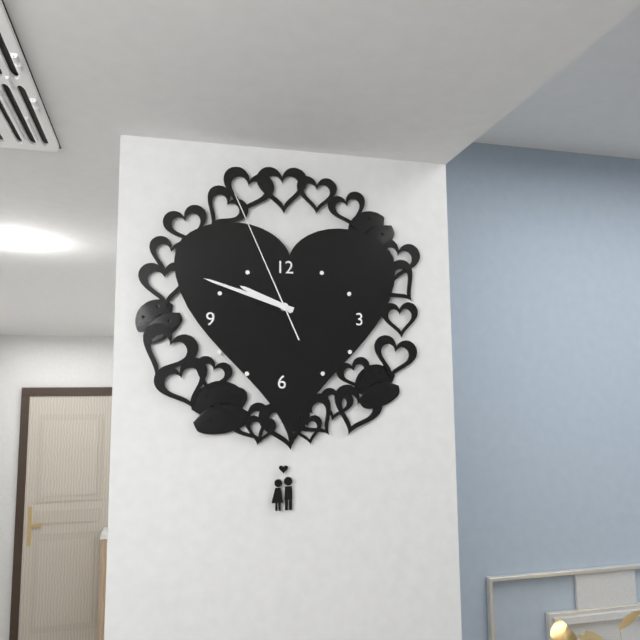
9:48:56
